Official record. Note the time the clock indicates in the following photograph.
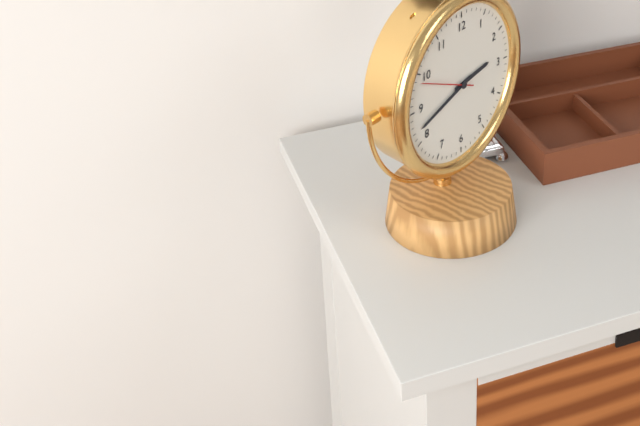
2:42
